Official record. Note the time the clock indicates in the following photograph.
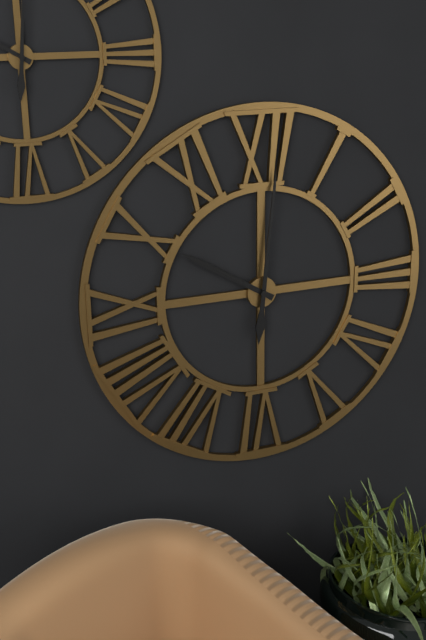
10:01
